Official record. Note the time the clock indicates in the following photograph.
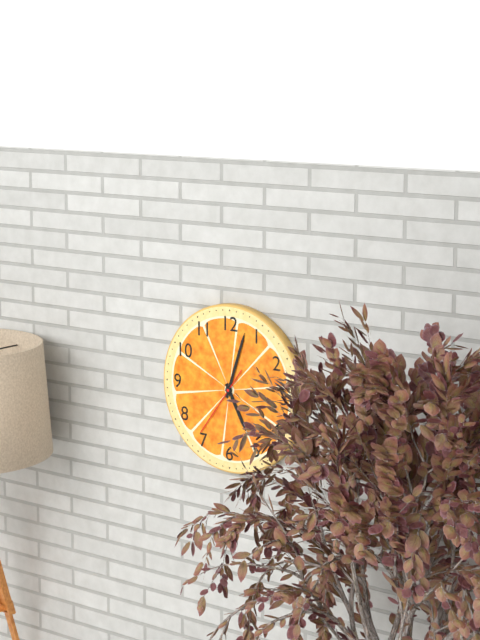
5:03:36
